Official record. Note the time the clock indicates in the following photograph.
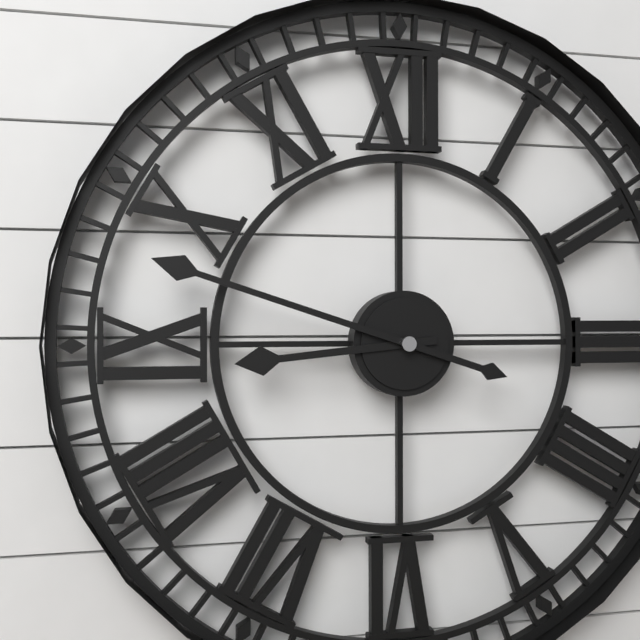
8:48
